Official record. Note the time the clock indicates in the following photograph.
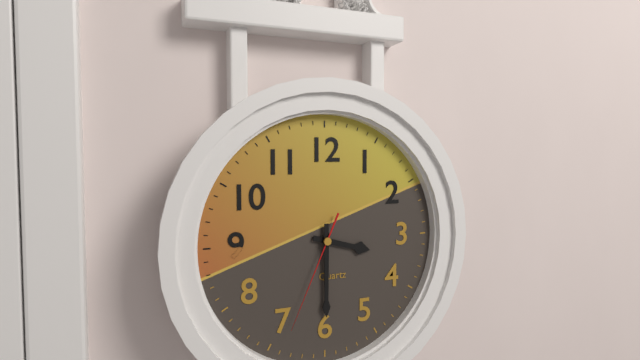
3:30:34
